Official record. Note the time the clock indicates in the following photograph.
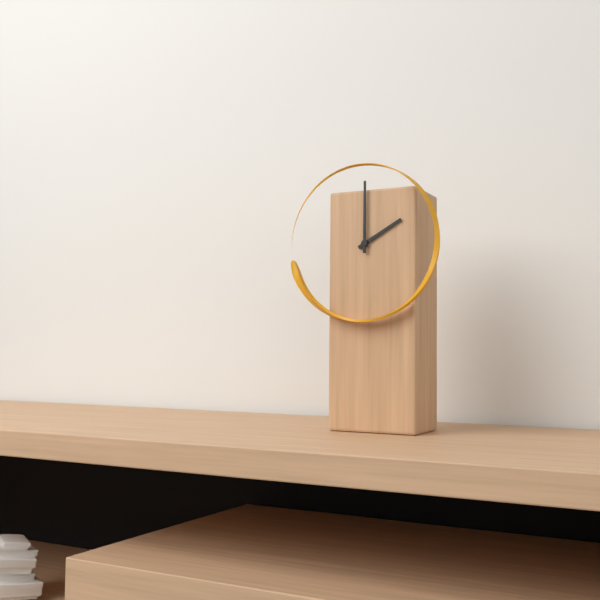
2:00
